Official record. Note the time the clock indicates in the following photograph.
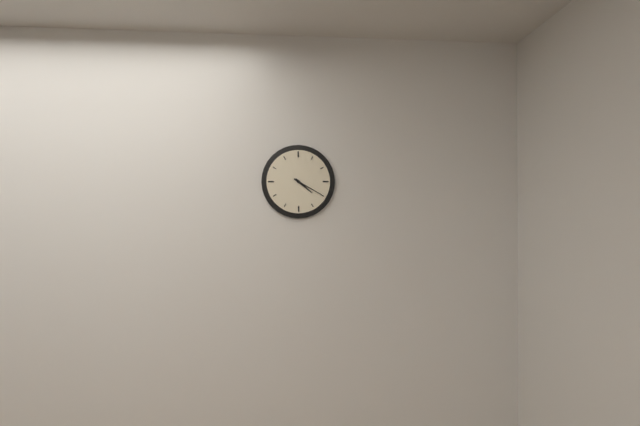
4:20
